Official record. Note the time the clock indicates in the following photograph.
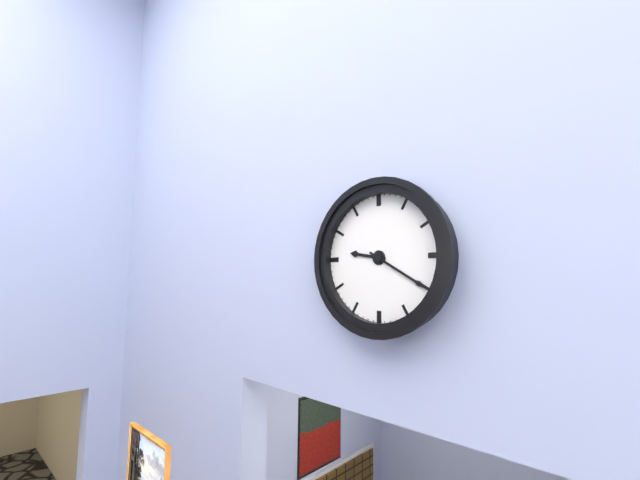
9:20
